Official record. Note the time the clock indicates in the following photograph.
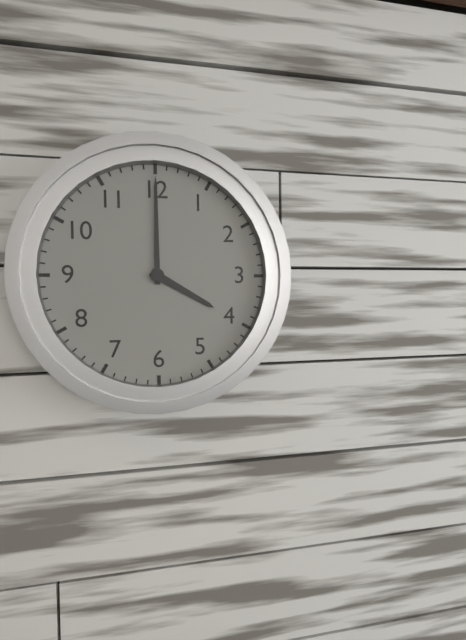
4:00
